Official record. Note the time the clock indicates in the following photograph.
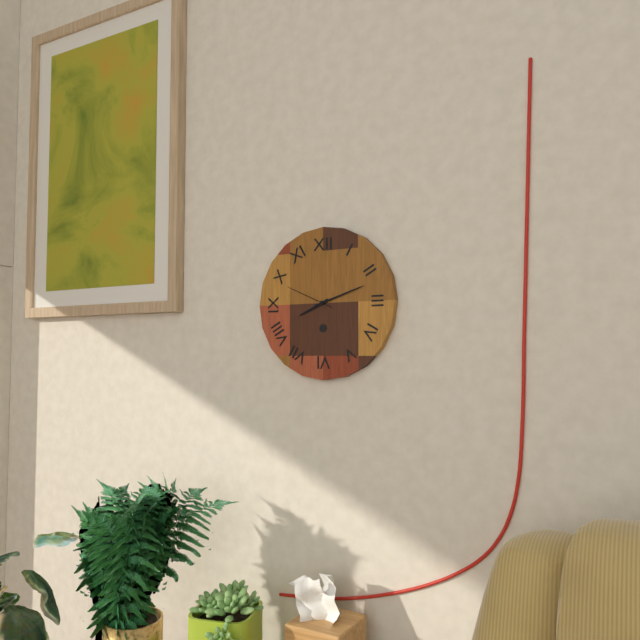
8:12
